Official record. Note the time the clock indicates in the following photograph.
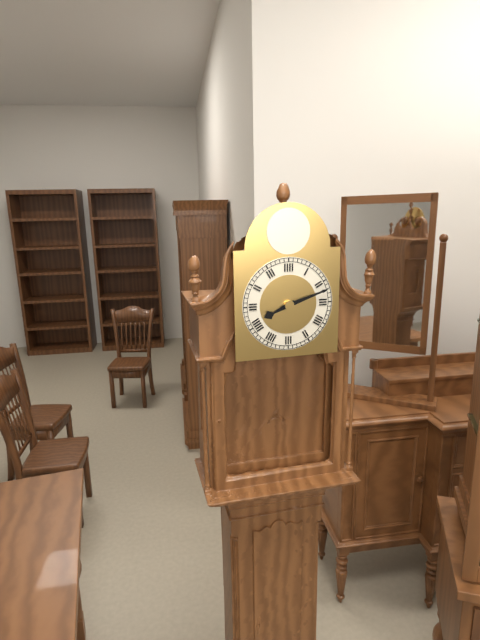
8:12
